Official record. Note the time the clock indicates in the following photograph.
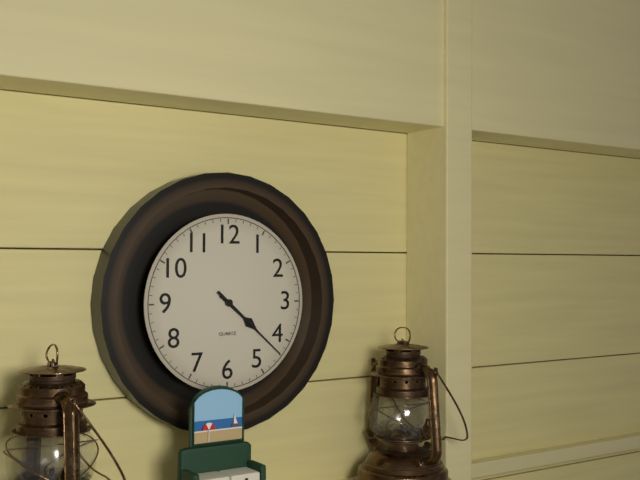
4:22
